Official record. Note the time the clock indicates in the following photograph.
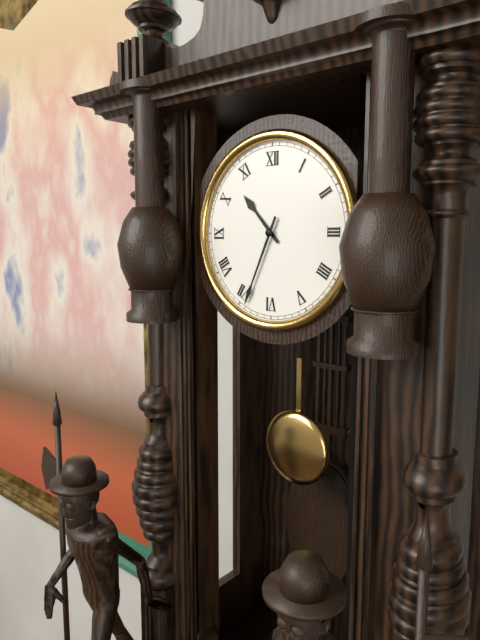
10:34
